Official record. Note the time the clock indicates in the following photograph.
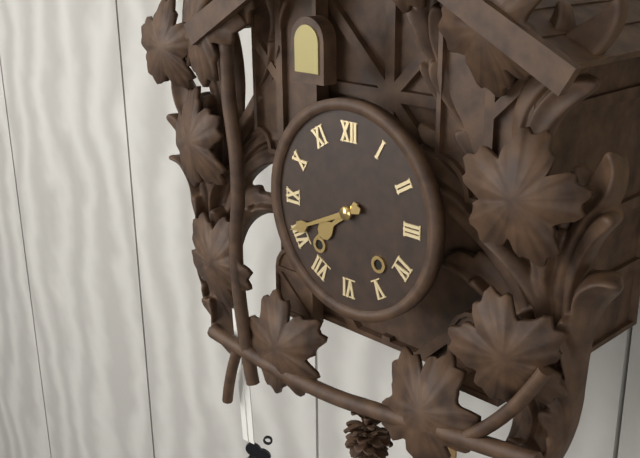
7:41
